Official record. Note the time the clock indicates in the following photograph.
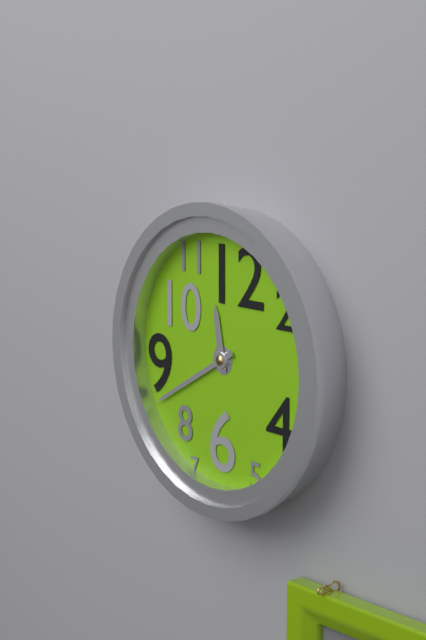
11:40
